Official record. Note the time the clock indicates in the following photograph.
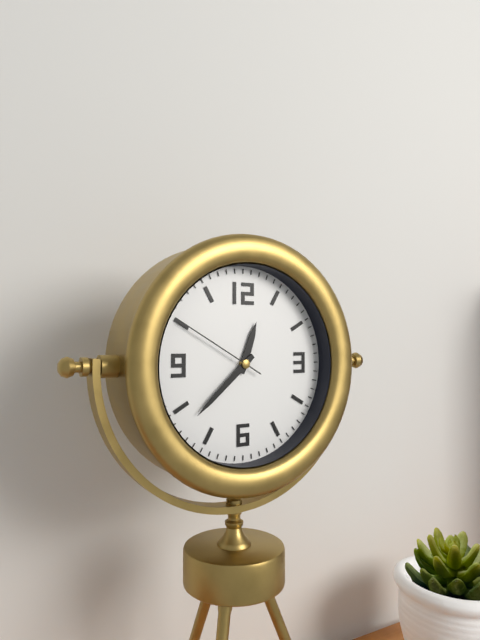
12:38:50
